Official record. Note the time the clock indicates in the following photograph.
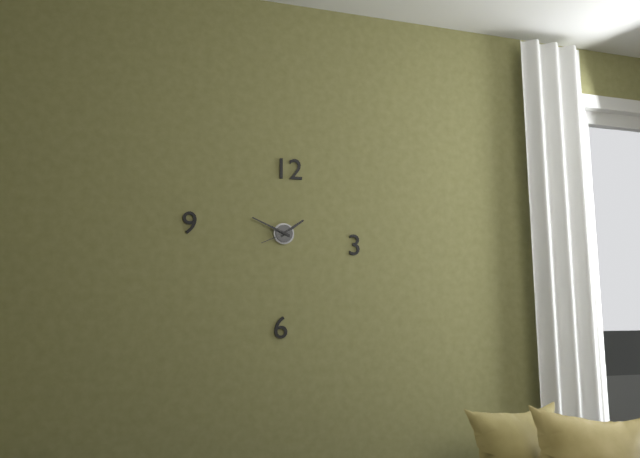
1:49
